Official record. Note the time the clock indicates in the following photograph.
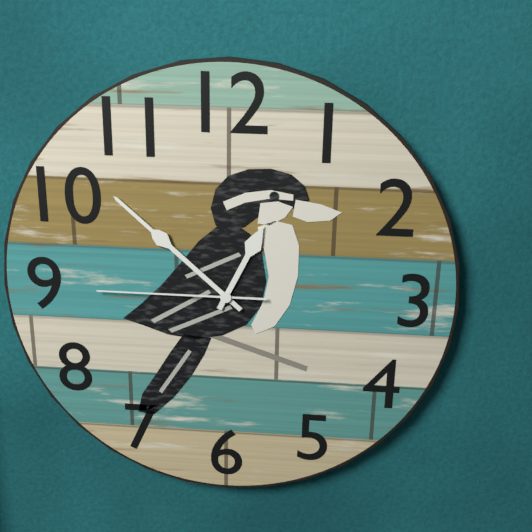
12:52:45
